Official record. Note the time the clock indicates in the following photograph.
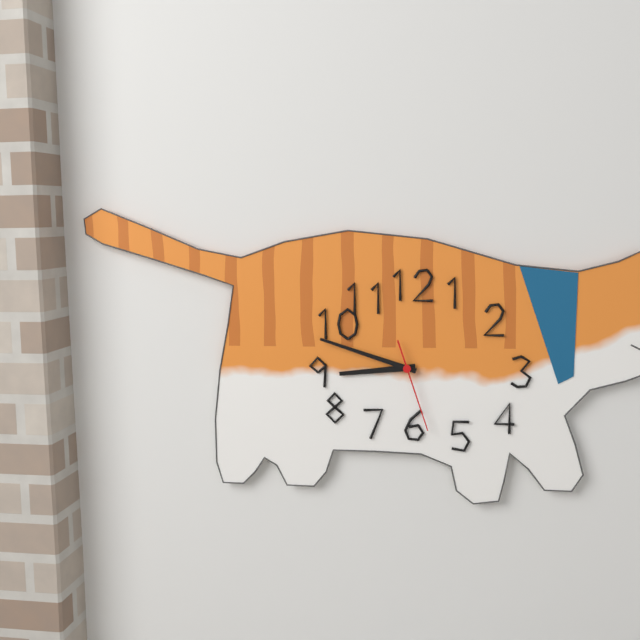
8:48:27
